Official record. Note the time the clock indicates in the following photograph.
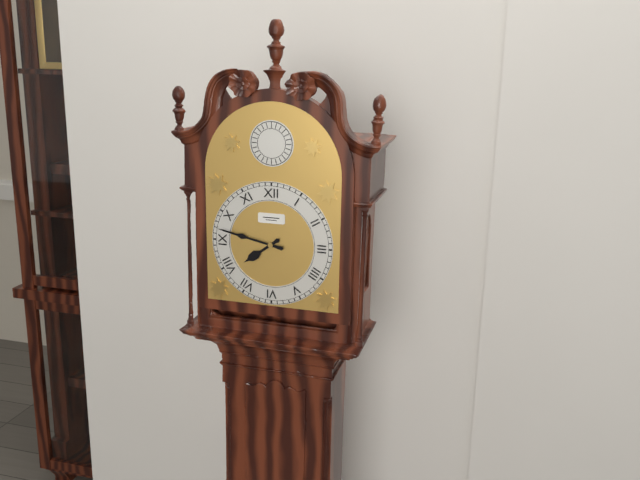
7:47
